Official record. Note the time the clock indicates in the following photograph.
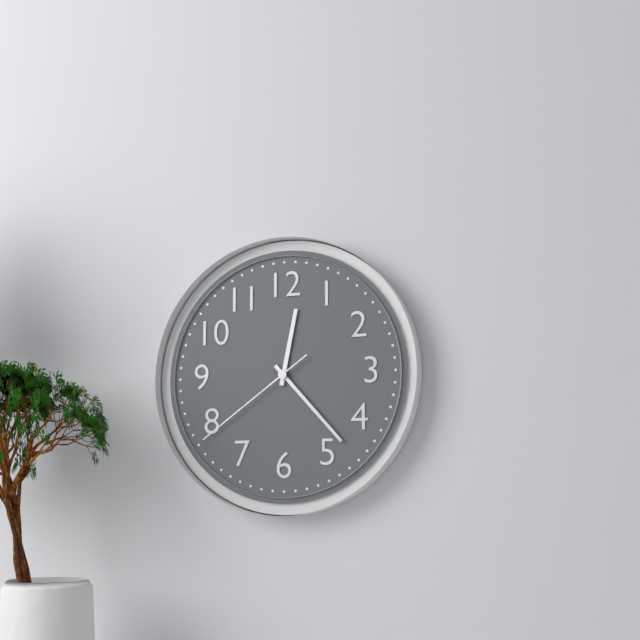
12:23:39
